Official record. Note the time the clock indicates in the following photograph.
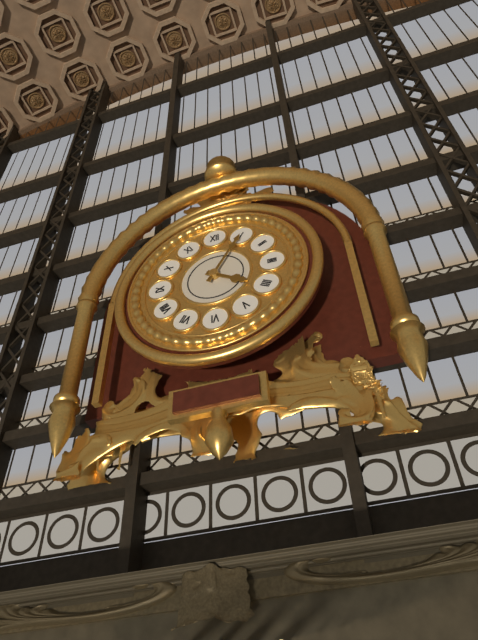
4:05
